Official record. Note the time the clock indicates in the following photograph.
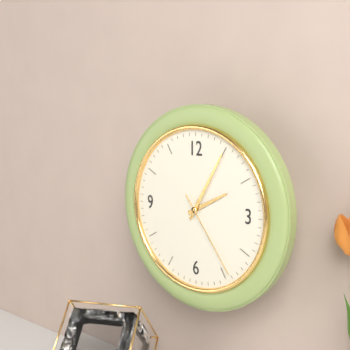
2:05:24
